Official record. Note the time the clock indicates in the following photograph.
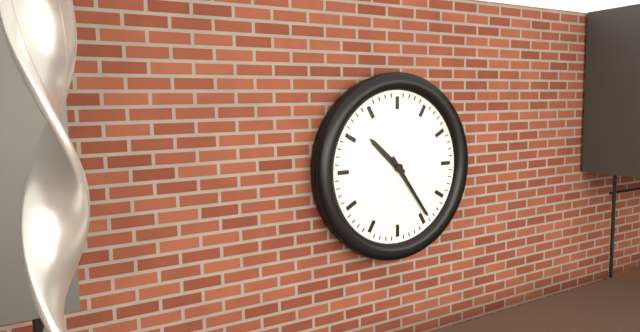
10:24
